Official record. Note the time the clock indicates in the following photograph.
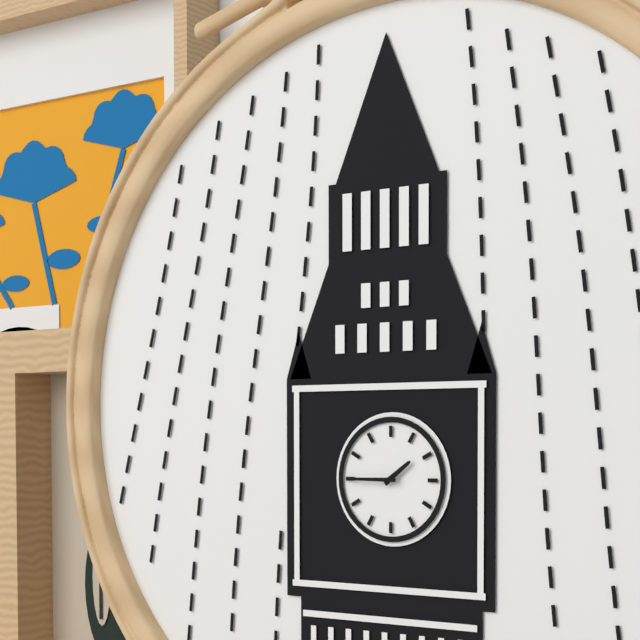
1:45
